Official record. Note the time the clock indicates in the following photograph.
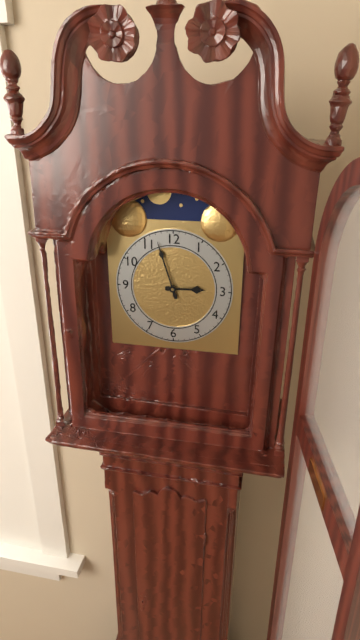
2:57
